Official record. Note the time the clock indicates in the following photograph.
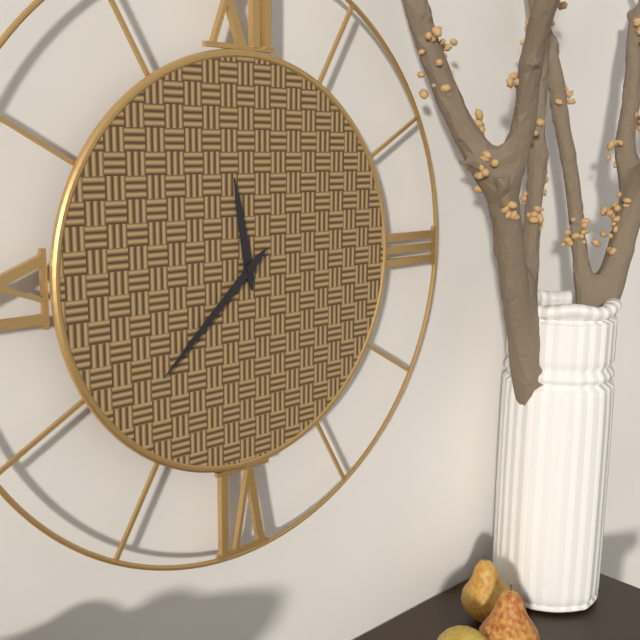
11:38
